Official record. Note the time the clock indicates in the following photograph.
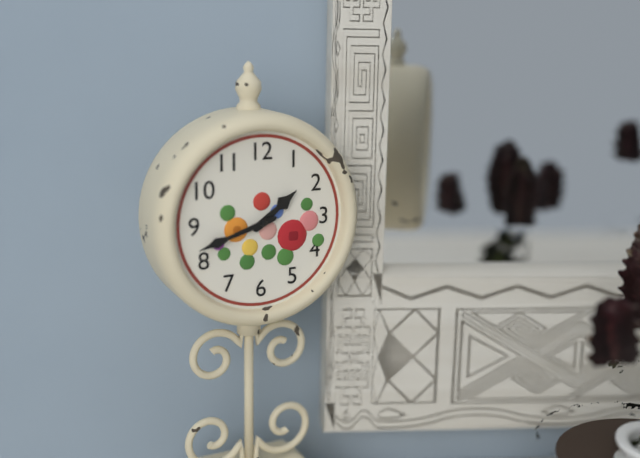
1:42
